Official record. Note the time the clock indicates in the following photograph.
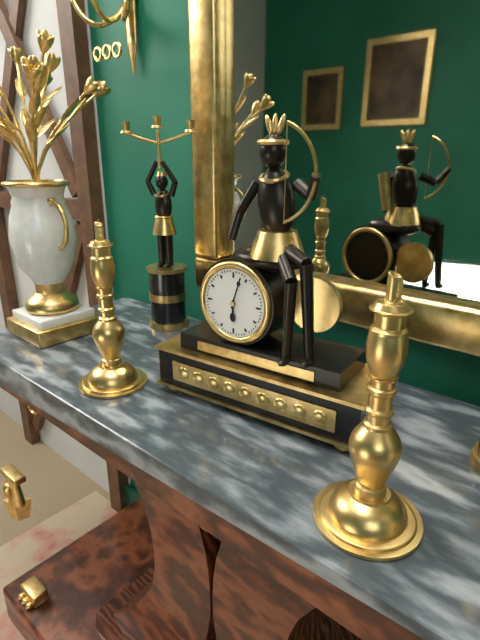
6:03
